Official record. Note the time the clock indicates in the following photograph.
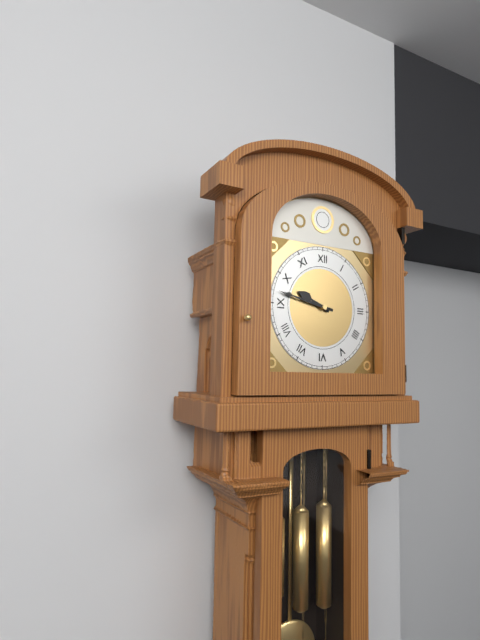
9:47
